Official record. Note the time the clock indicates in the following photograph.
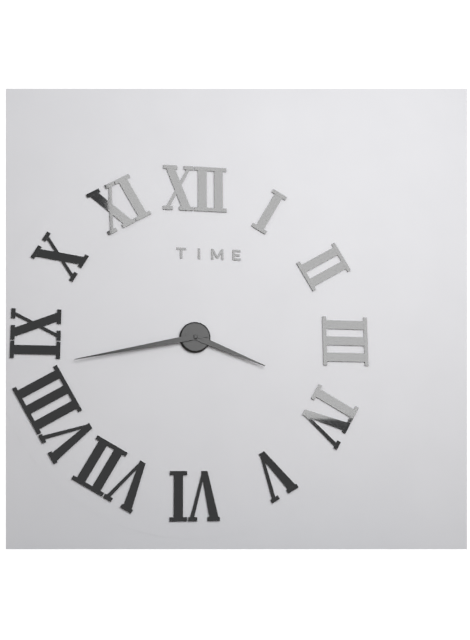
3:43
